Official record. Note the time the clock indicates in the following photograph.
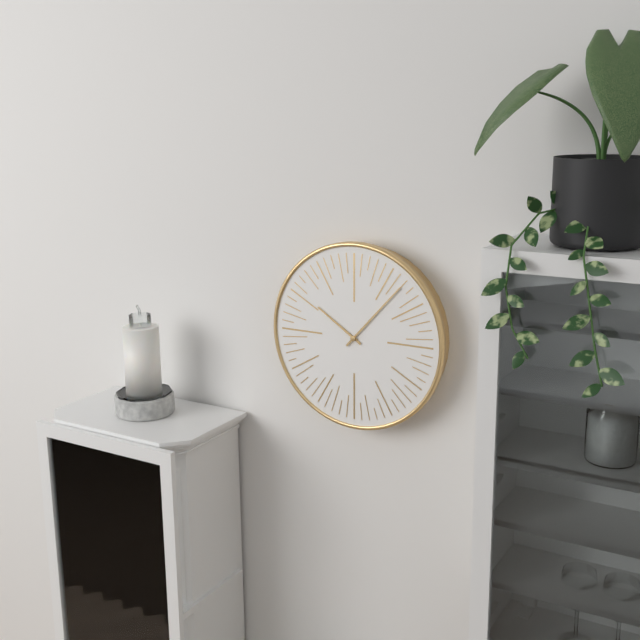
10:07
